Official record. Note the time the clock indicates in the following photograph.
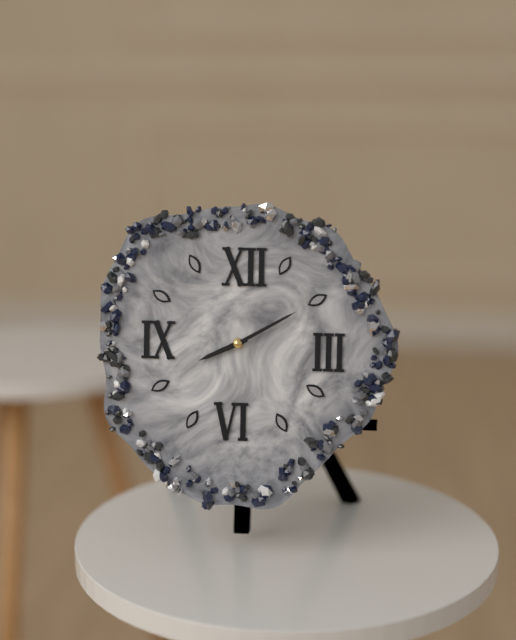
8:10
